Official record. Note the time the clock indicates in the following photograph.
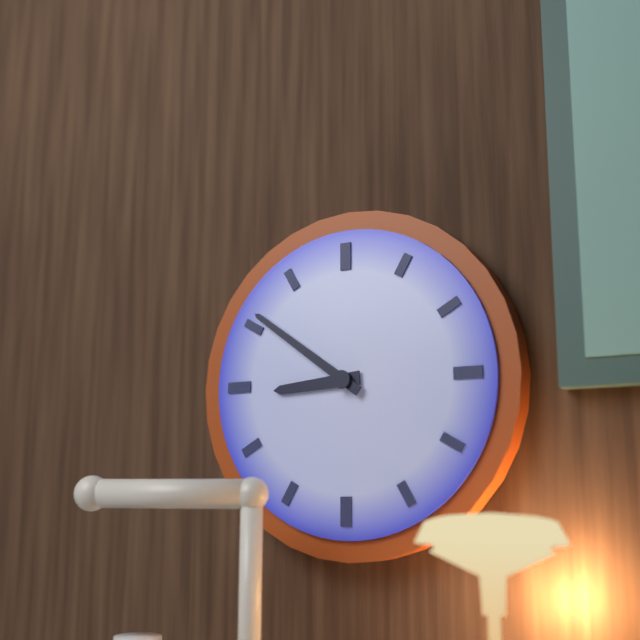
8:51
